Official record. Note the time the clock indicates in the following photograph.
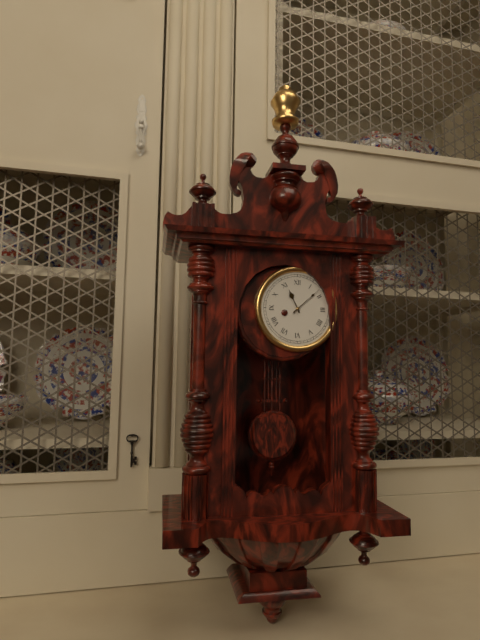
11:08
